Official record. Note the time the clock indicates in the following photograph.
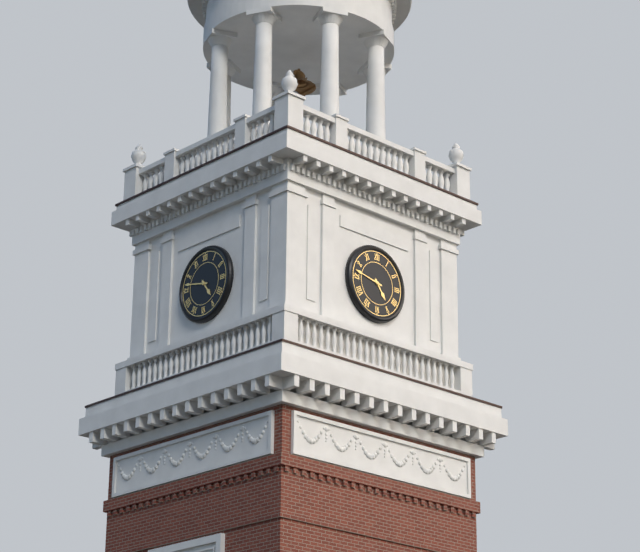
4:47
